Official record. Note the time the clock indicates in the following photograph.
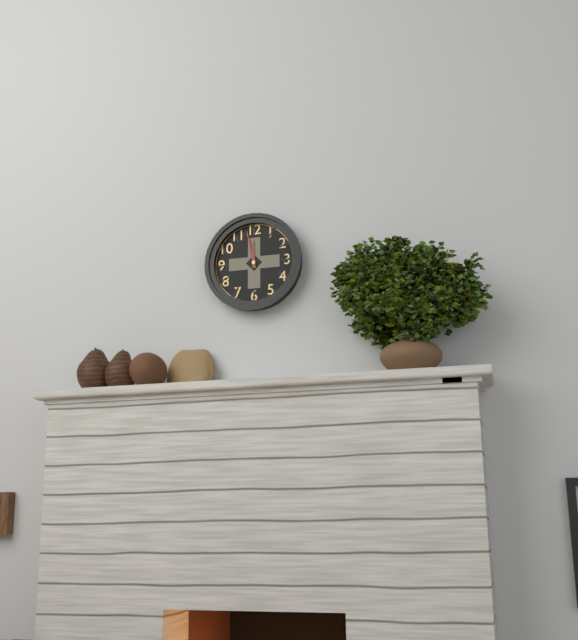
11:58
